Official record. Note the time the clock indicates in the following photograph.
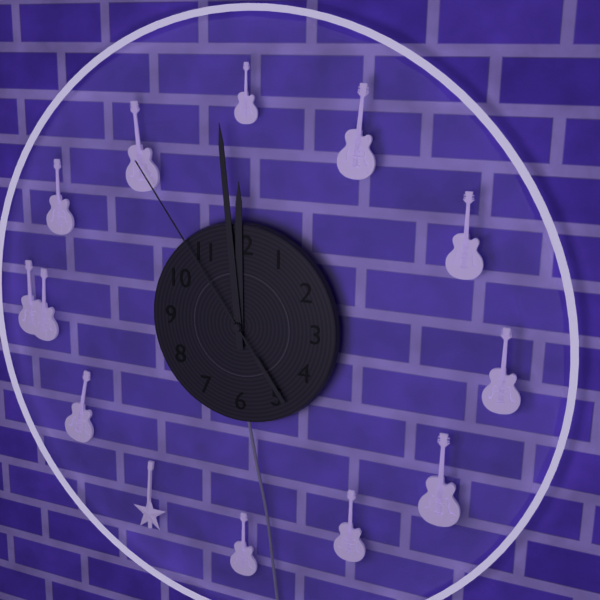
11:59:54
